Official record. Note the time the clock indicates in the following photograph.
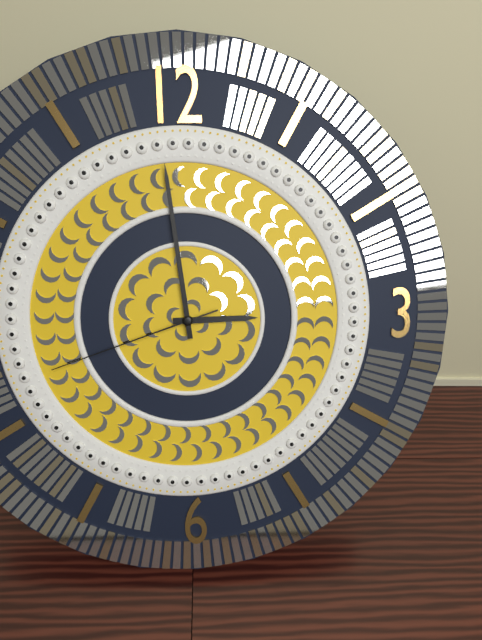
2:59:42
